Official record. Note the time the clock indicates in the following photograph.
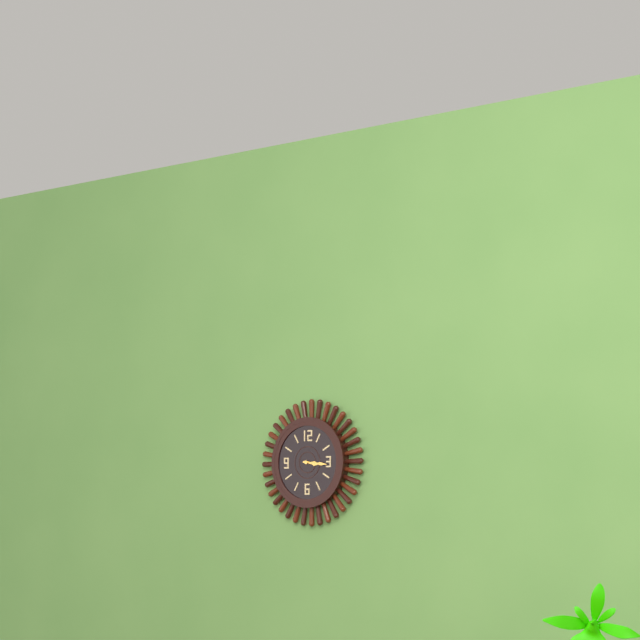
3:16
